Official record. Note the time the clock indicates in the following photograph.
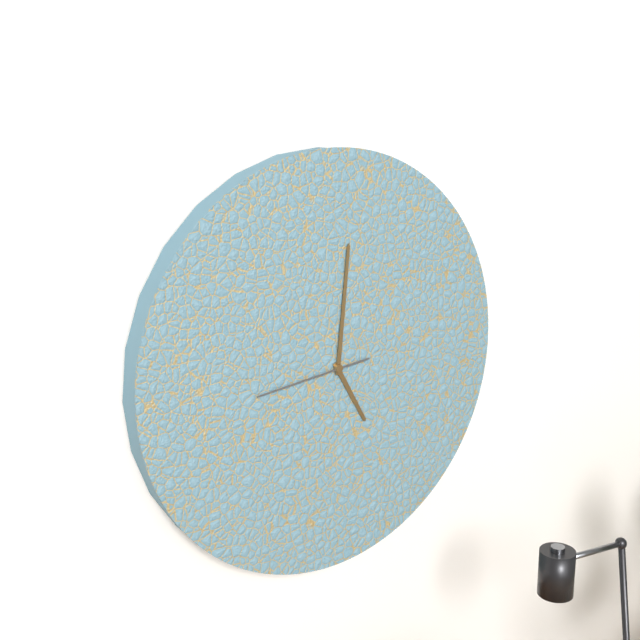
5:01:44
